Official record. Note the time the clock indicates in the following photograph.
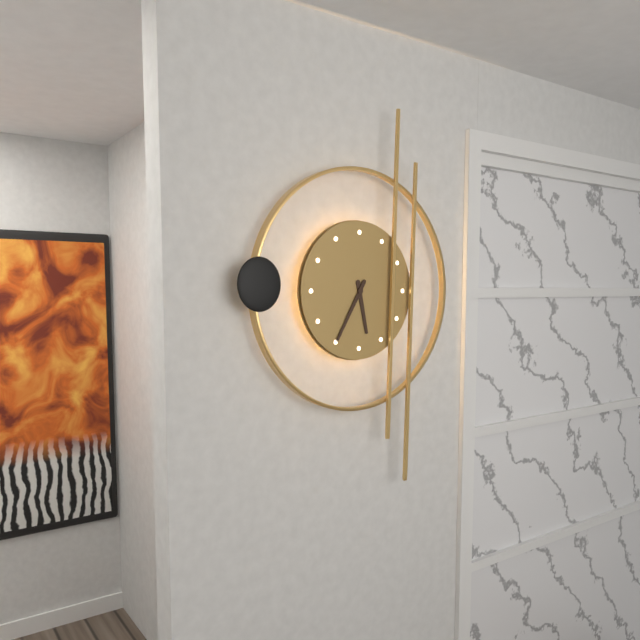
5:35
